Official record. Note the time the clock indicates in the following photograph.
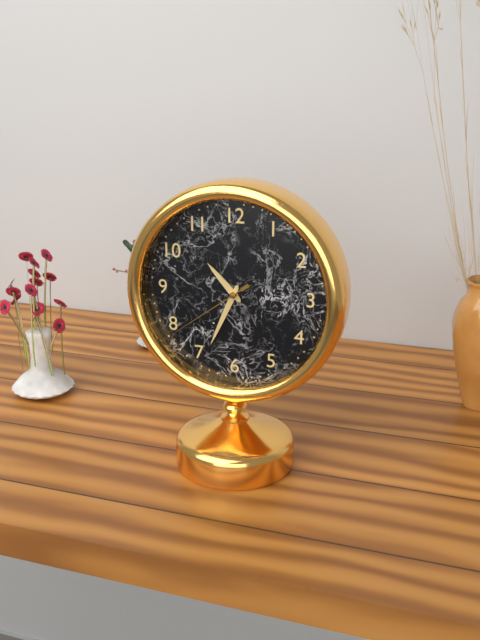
10:34:39
